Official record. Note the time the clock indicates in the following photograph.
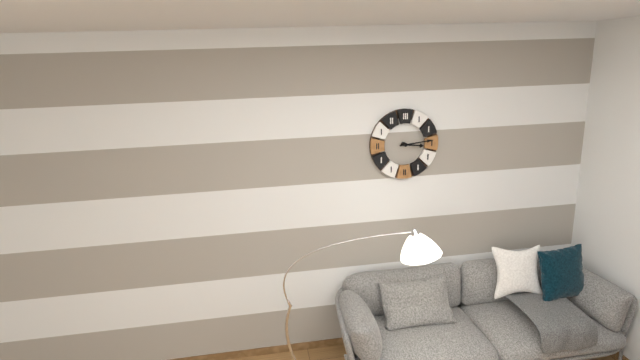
3:14
